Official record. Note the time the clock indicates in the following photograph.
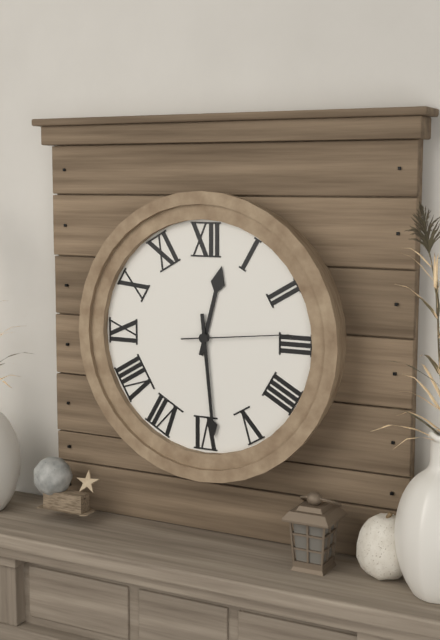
12:29:14
